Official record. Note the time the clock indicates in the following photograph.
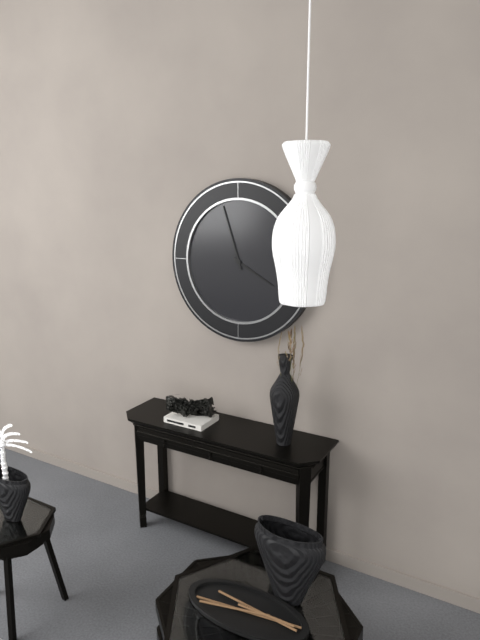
3:57
